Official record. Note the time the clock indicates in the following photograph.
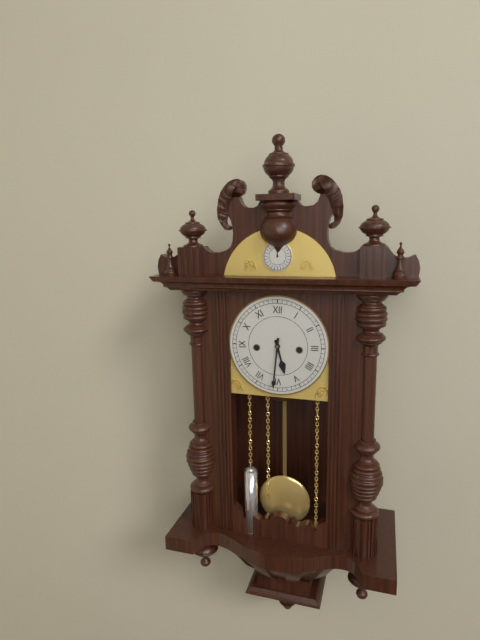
5:31
